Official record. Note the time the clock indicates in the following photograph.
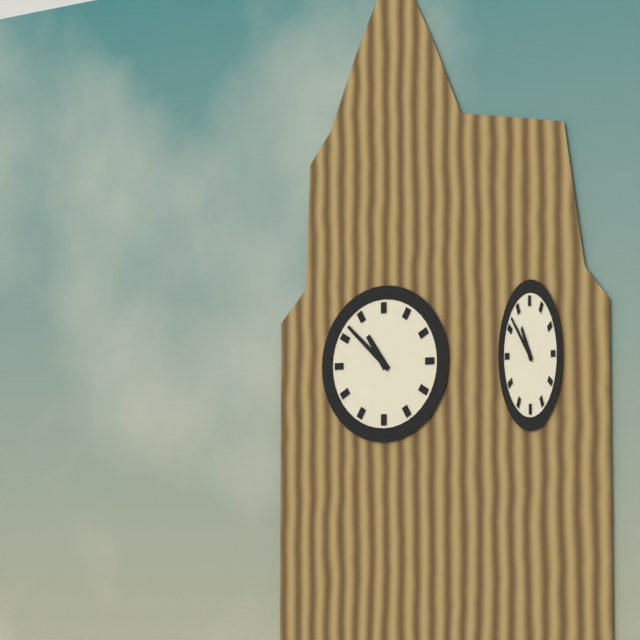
10:52
